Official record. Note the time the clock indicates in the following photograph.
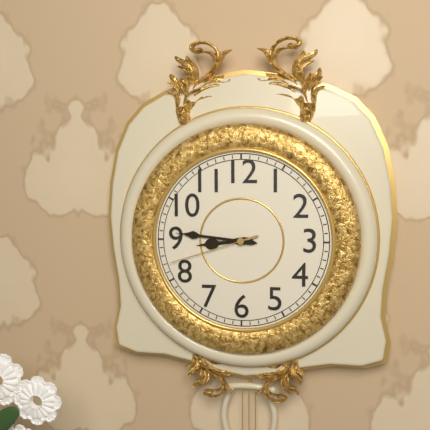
8:46:42
